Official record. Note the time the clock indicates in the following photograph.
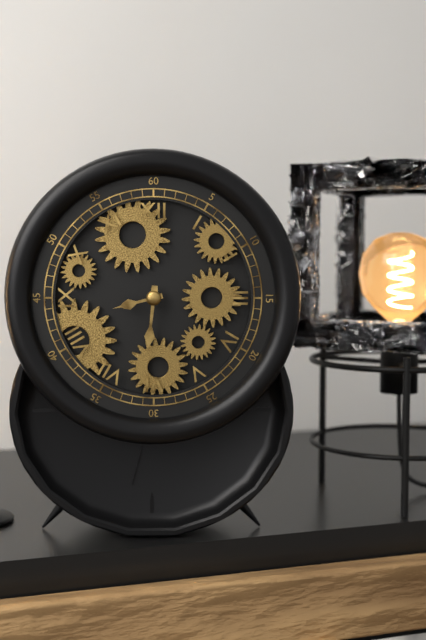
8:31
